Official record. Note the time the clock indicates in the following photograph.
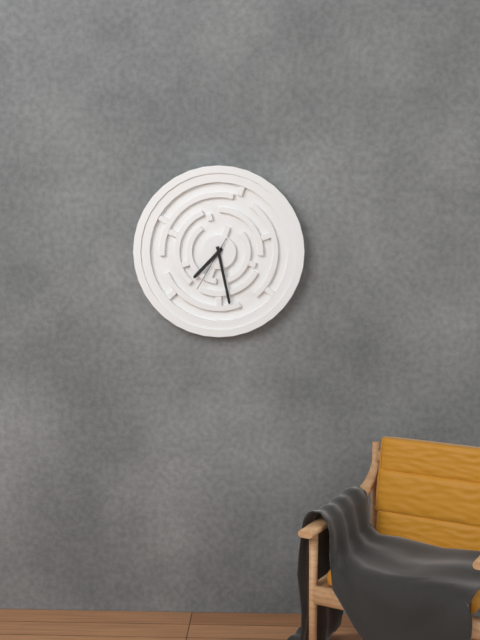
7:28:35
